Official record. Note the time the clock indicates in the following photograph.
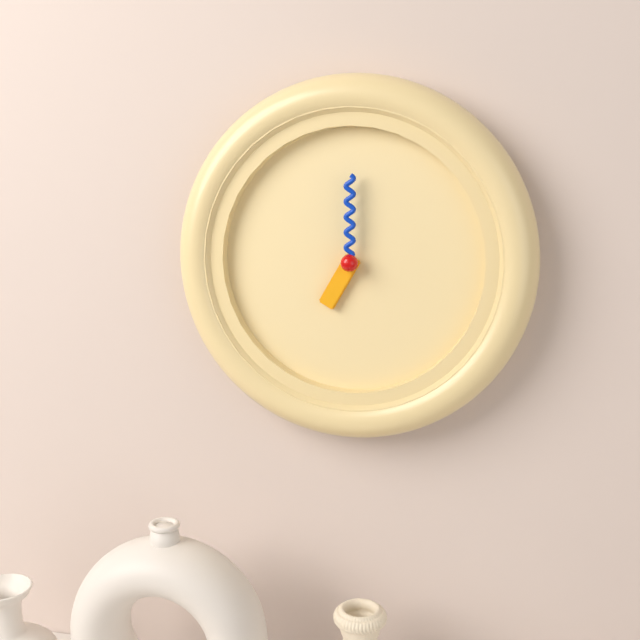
7:00
